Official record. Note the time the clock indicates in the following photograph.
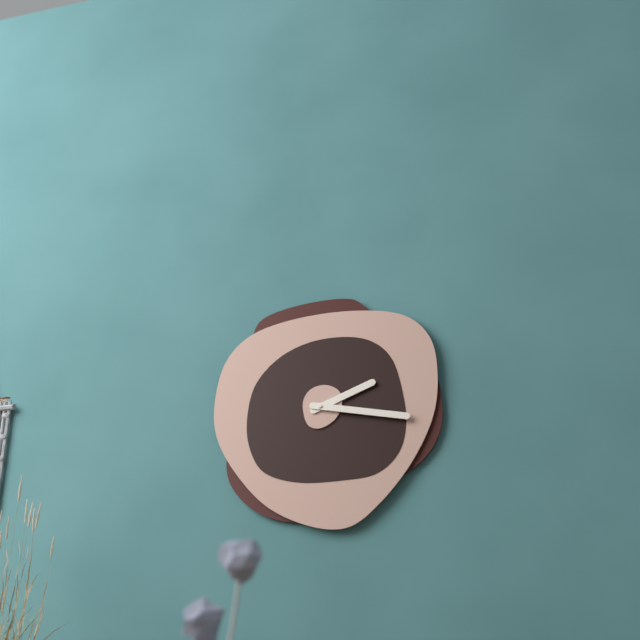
2:17
